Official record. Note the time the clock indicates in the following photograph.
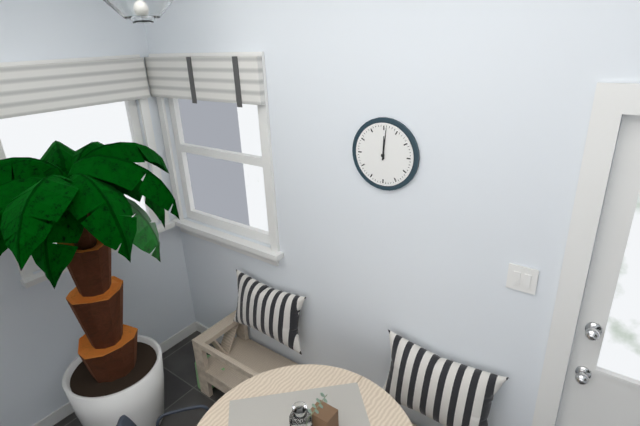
12:01
